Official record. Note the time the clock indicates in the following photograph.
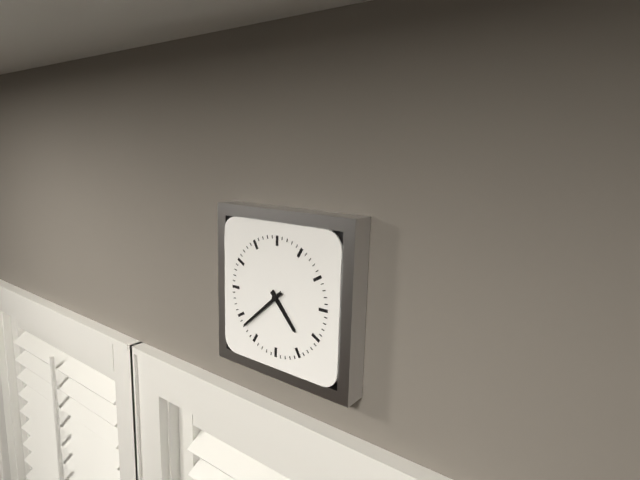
4:38
